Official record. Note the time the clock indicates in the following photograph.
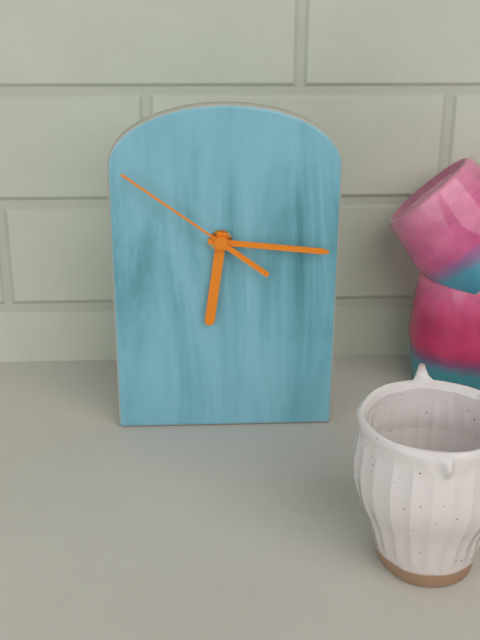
6:16:51
